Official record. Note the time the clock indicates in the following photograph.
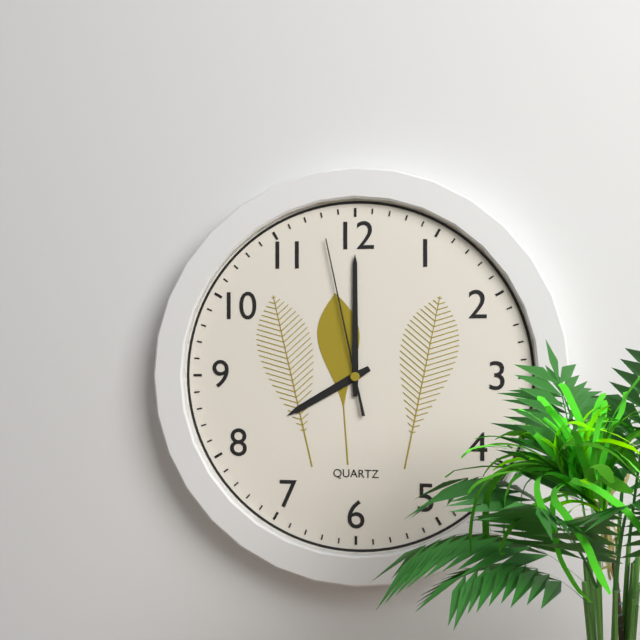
8:00:58
